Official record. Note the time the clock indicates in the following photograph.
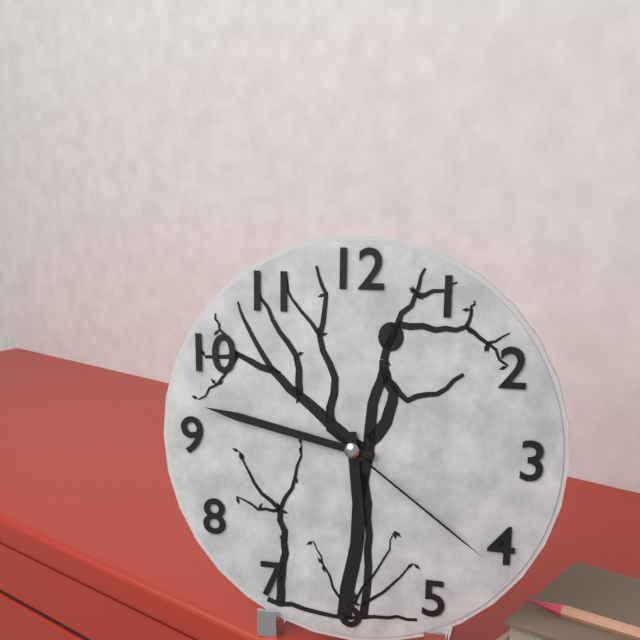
5:47:21
